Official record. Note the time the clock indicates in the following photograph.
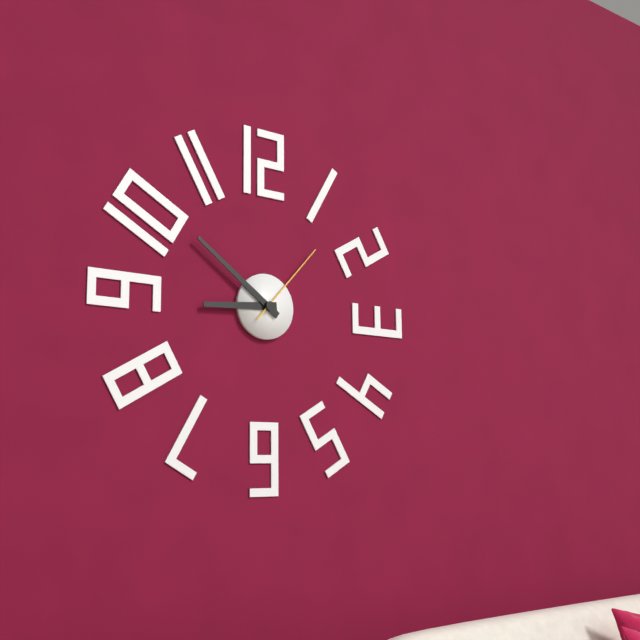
8:51:07
